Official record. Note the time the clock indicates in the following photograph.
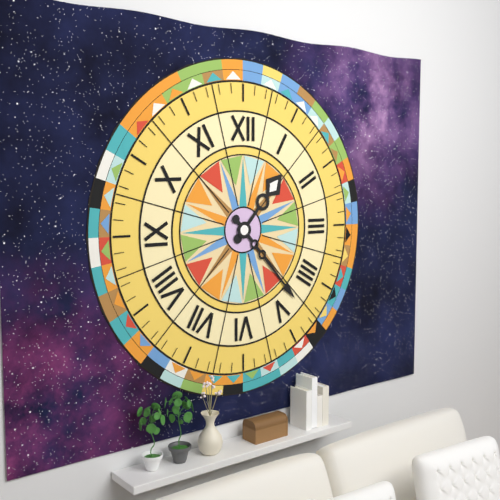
1:23
